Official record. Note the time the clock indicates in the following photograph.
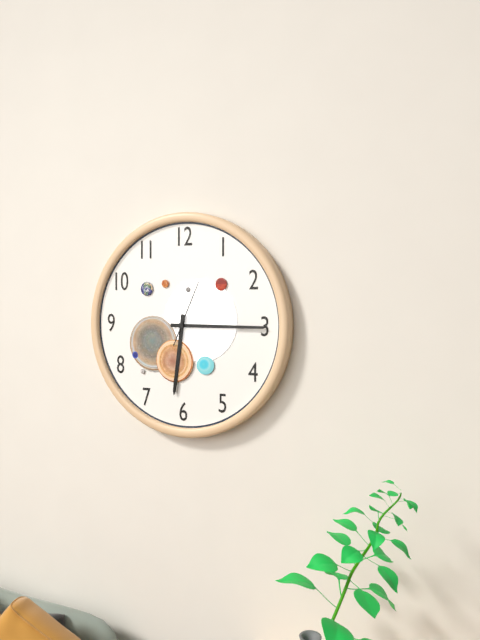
6:15:04
